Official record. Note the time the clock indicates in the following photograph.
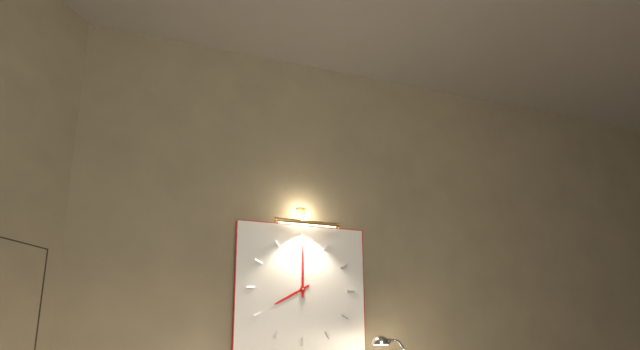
8:00
